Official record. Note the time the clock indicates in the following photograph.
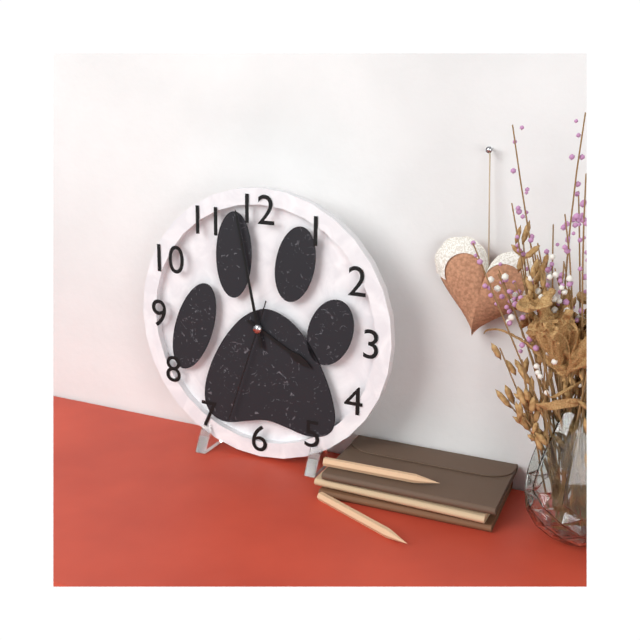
3:58:33
